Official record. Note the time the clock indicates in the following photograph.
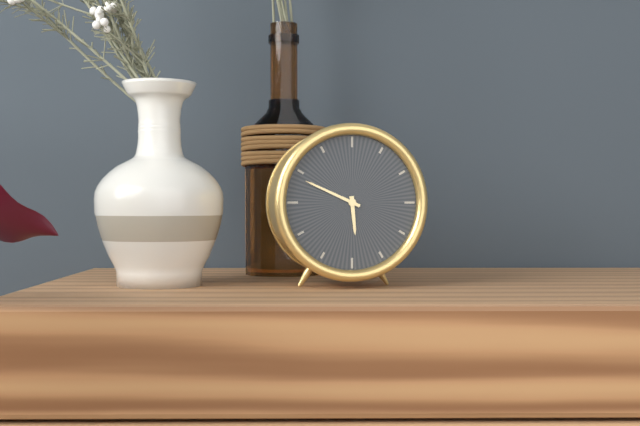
5:49
